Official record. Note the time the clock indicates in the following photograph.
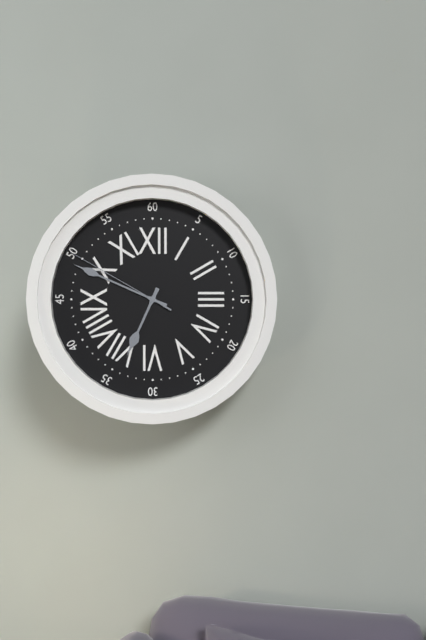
6:49:50
